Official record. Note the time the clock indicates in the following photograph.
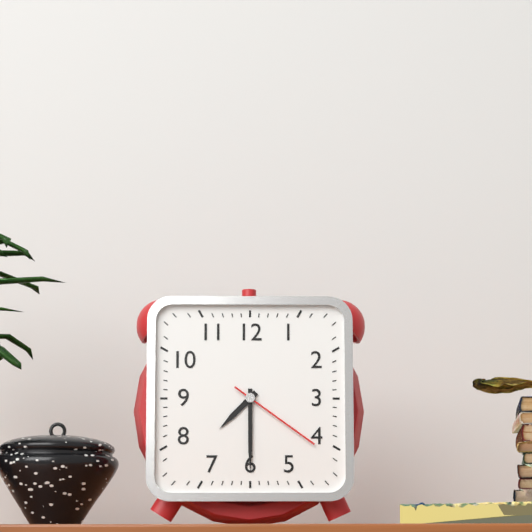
7:30:21
